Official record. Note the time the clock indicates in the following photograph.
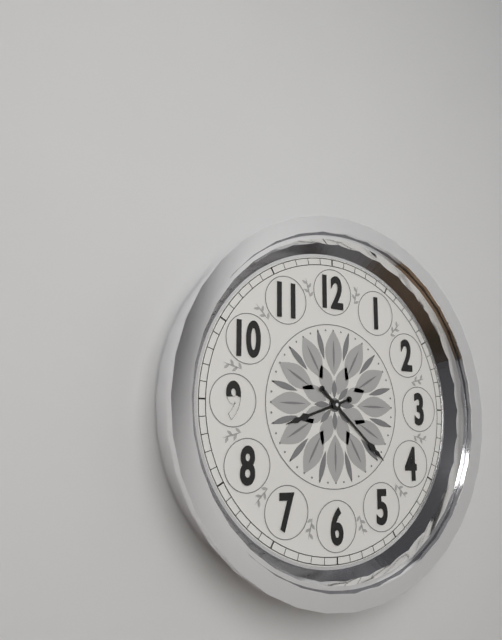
8:22
